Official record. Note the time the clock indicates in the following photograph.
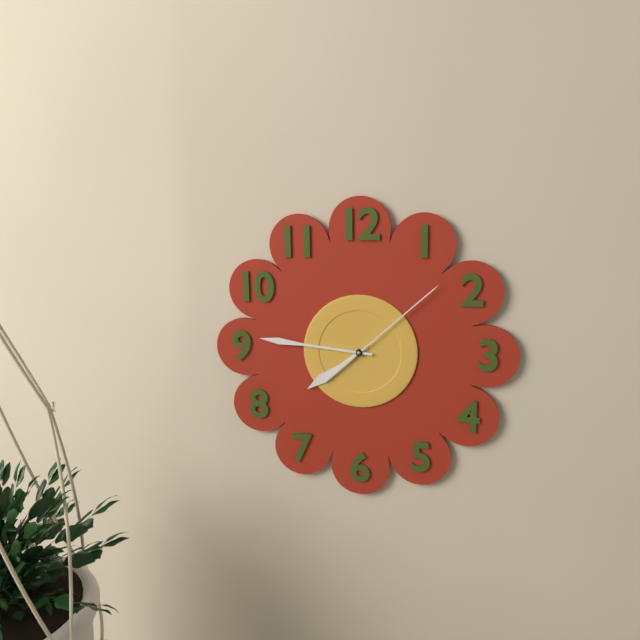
7:46:08
